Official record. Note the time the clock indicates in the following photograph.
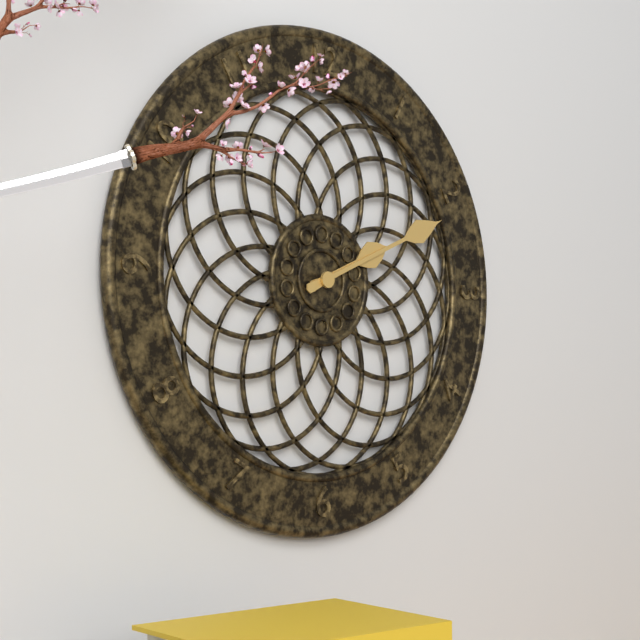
2:11
